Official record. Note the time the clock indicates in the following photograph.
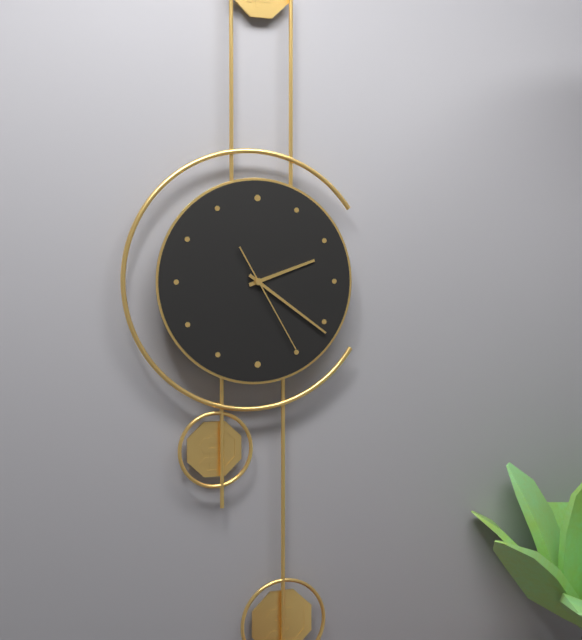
2:21:25
